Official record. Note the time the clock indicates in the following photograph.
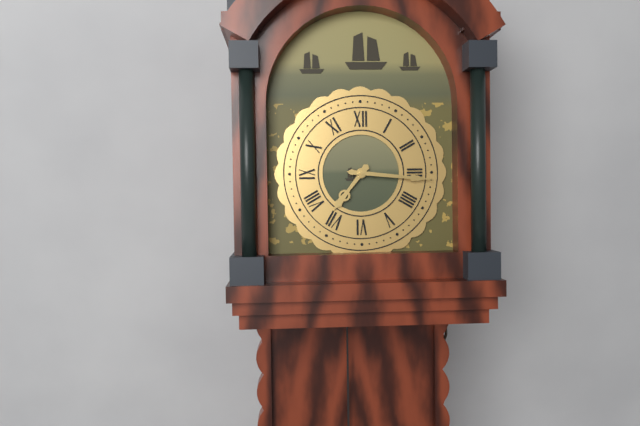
7:16
